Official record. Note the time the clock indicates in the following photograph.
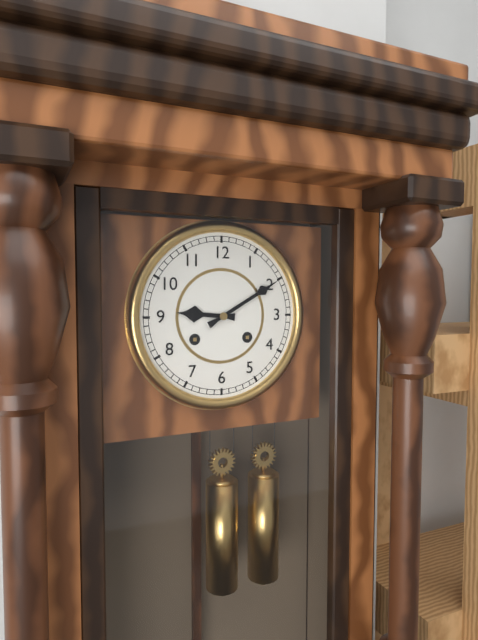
9:10
